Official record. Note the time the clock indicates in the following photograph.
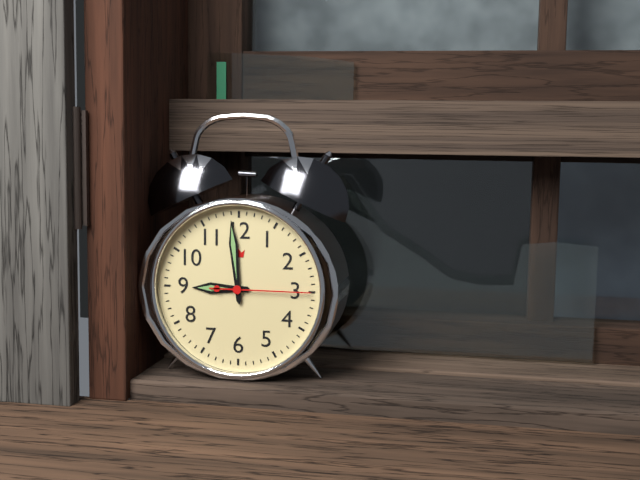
8:59:15
